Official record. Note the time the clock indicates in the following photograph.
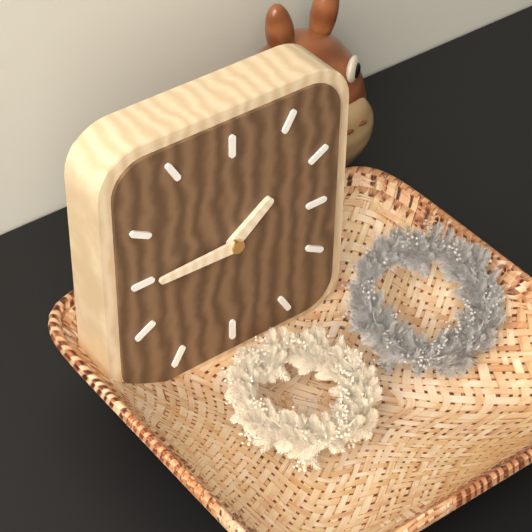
1:45
